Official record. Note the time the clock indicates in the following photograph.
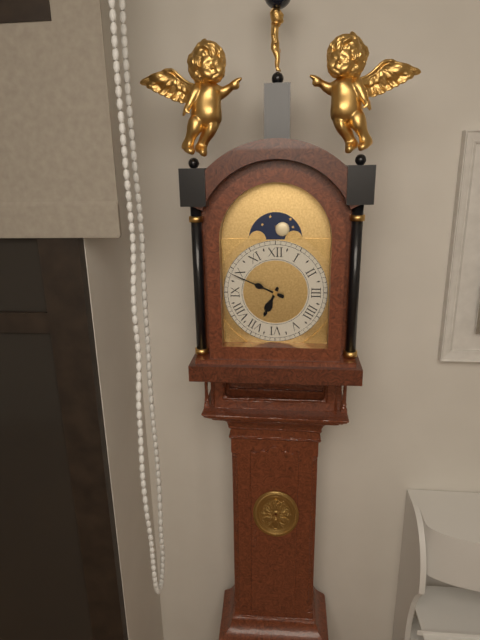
6:49
